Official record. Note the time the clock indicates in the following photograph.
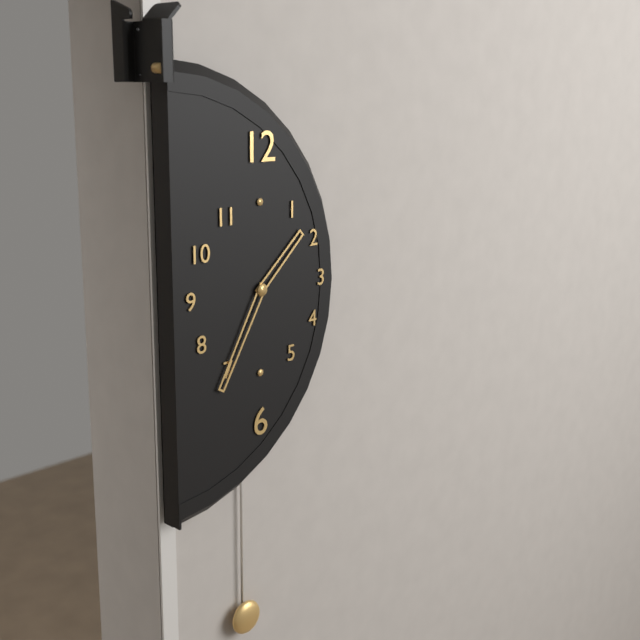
1:35
